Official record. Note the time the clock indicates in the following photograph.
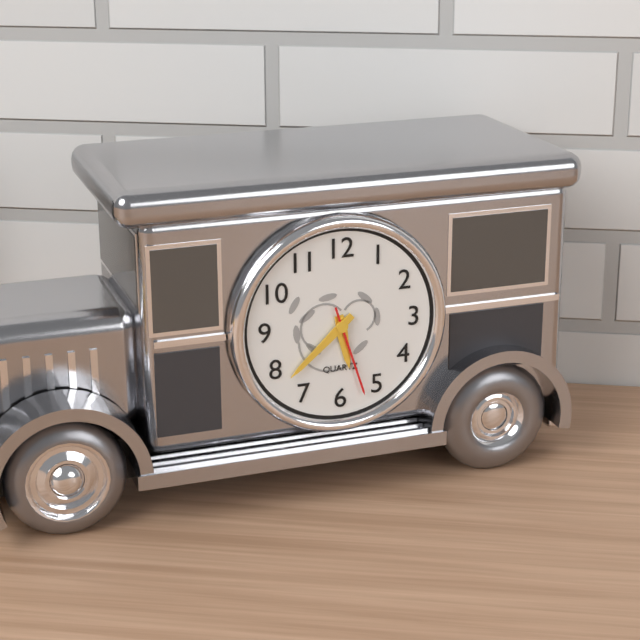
5:38:27
